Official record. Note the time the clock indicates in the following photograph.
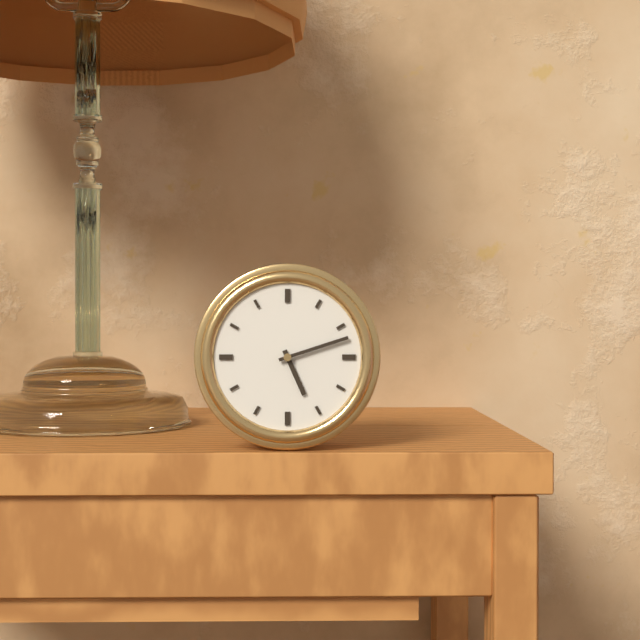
5:12
